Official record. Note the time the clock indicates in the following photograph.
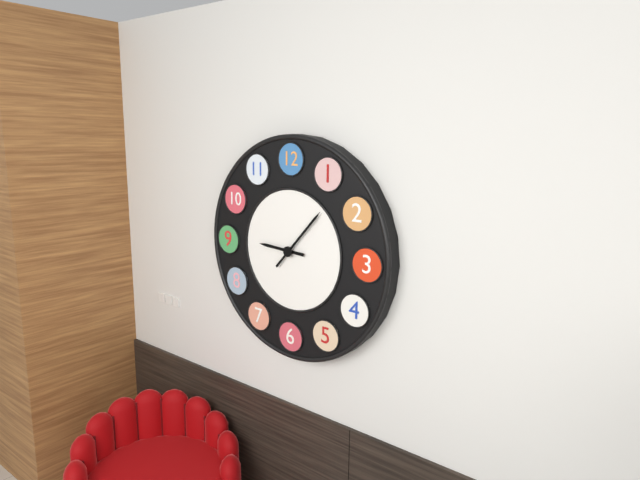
9:07
